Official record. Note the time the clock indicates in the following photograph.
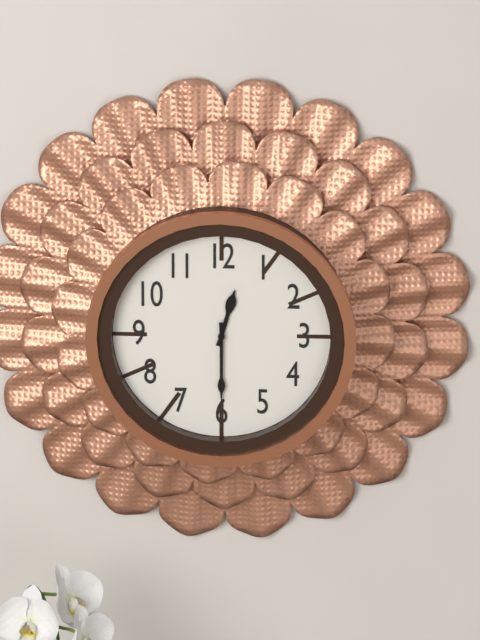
12:30
